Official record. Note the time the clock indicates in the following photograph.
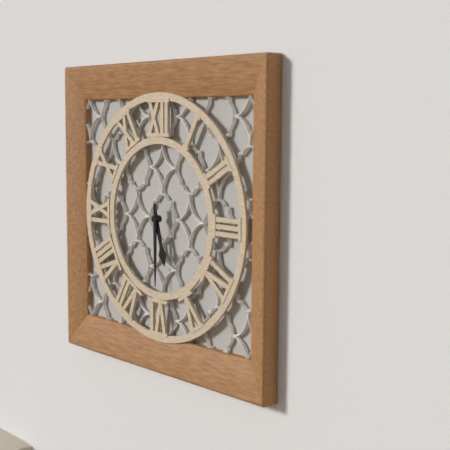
5:30
